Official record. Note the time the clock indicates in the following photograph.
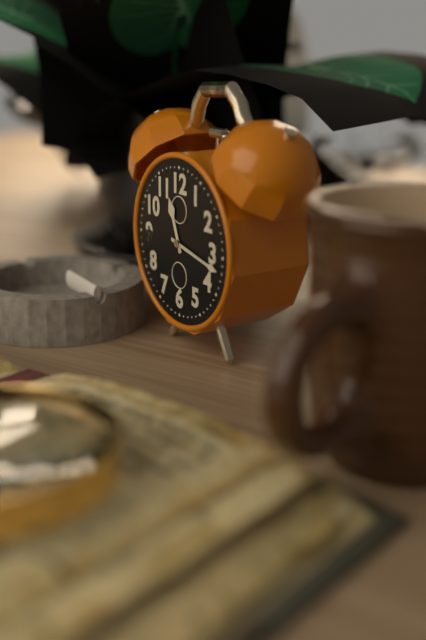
11:17
